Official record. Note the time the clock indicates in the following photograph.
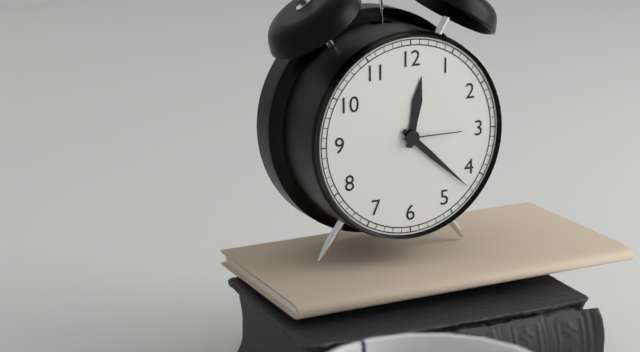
12:22:15
